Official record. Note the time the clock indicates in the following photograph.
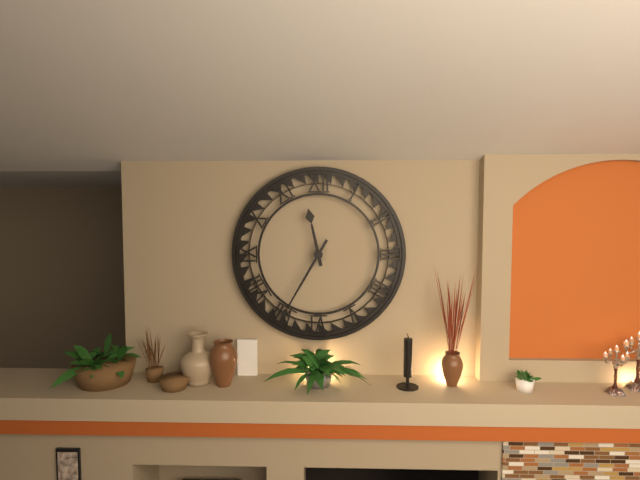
11:35
